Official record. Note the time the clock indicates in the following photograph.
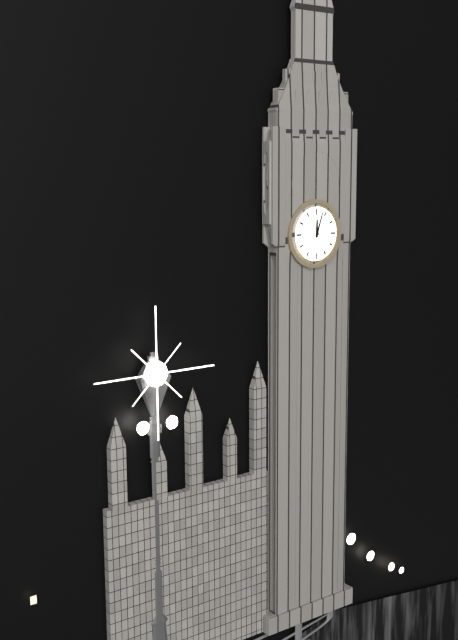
12:03
